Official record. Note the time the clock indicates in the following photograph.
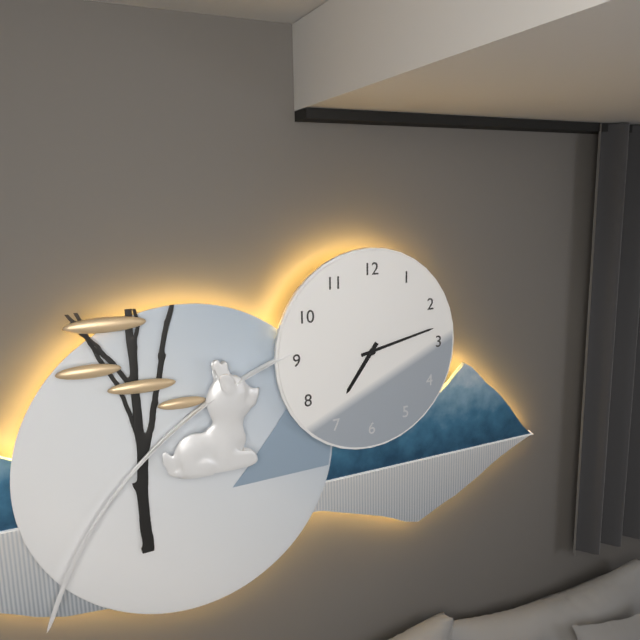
7:13
